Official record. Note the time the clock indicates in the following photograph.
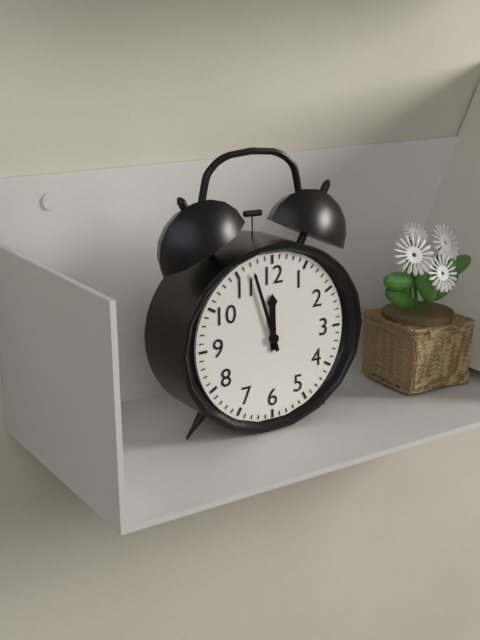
11:57
